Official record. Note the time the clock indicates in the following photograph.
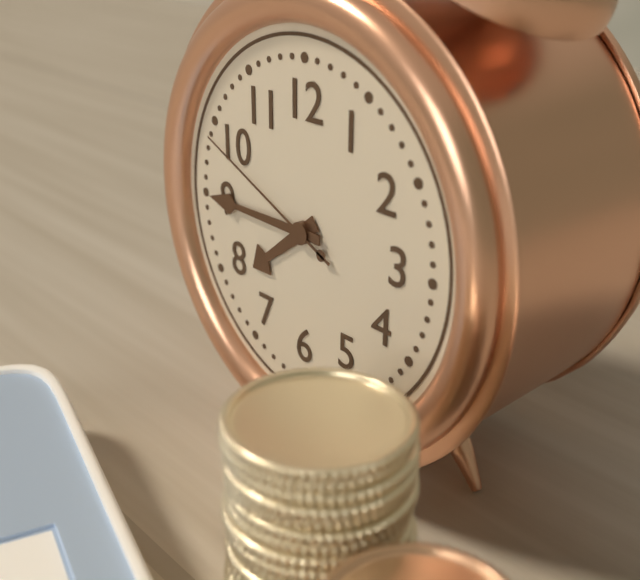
7:45:49
